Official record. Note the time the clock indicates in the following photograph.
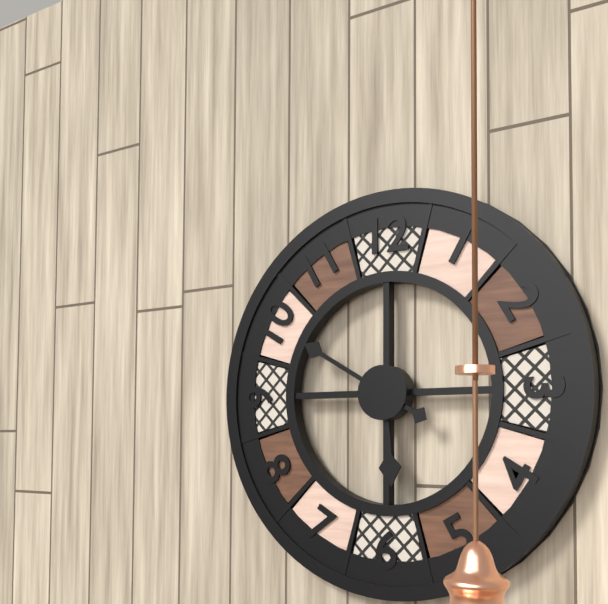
5:50
